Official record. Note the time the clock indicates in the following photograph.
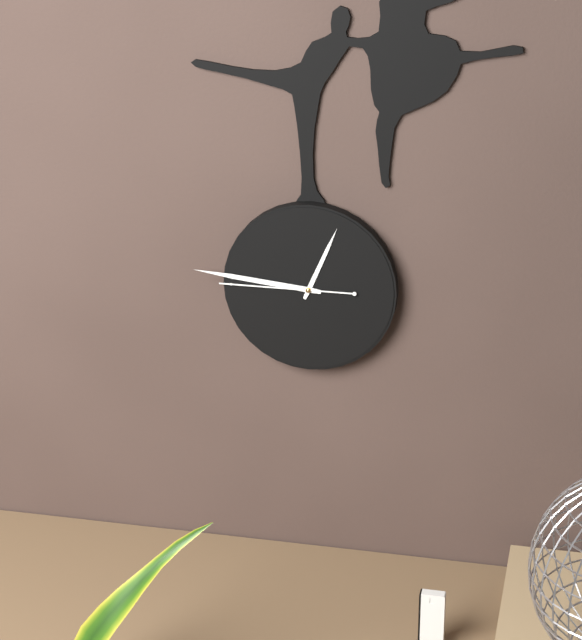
12:46:45
